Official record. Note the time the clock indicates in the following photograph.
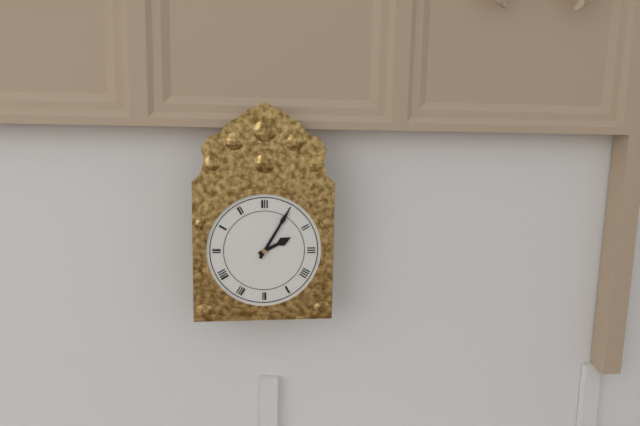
2:05
